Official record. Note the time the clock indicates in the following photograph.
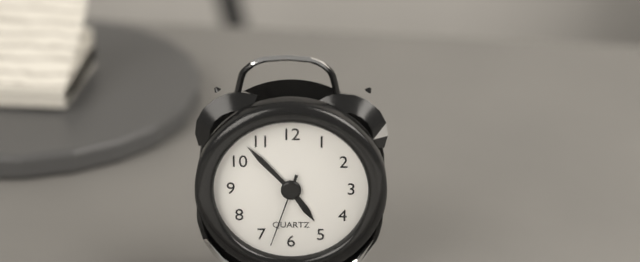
4:53:33
